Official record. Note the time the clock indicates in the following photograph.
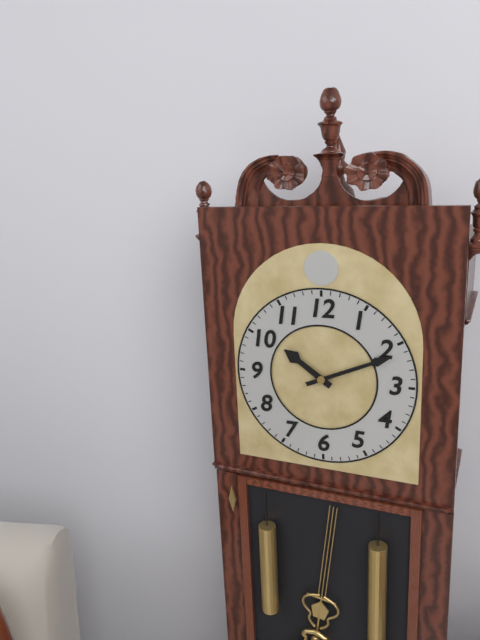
10:11
